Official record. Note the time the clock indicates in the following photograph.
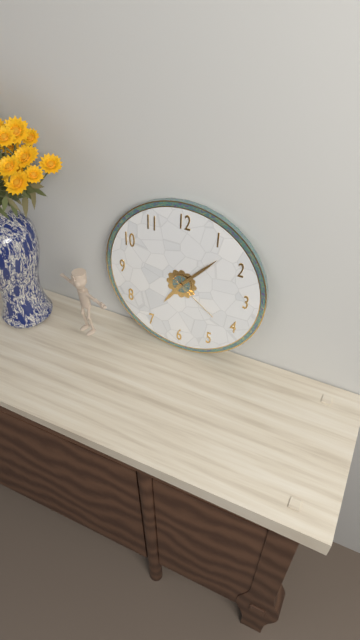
7:07:21
